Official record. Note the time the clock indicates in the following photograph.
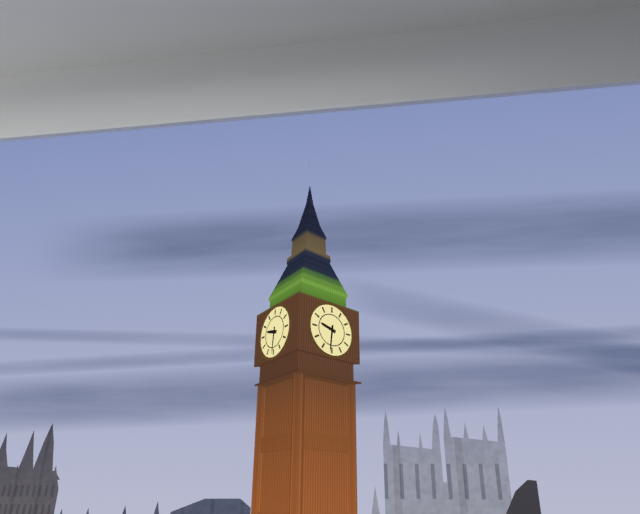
9:31
